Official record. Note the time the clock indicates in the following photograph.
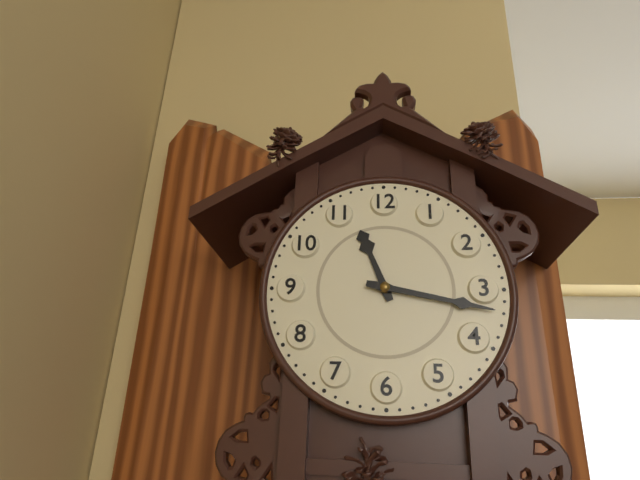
11:17
